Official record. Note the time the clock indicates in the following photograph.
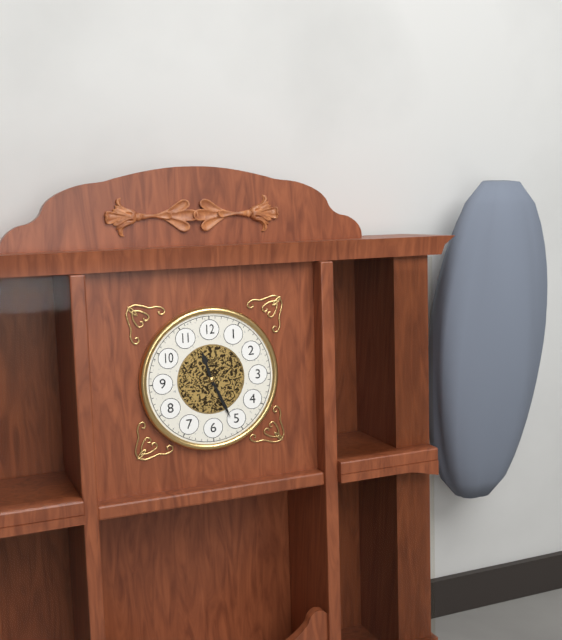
11:26
